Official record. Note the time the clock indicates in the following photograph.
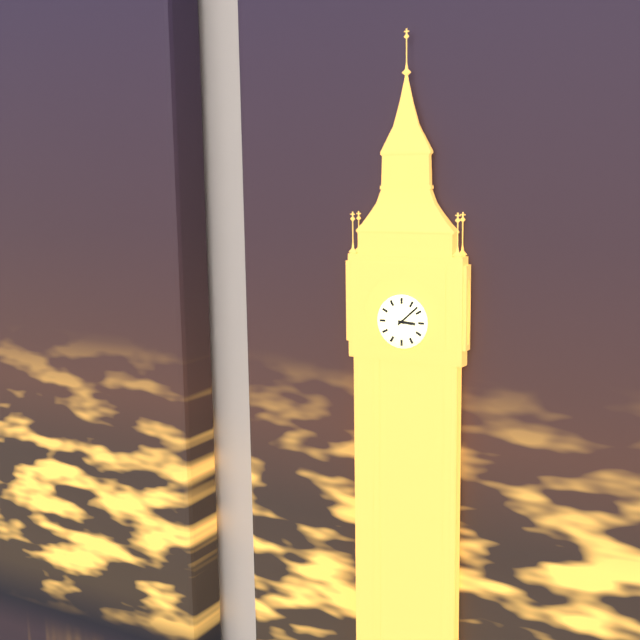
3:08
